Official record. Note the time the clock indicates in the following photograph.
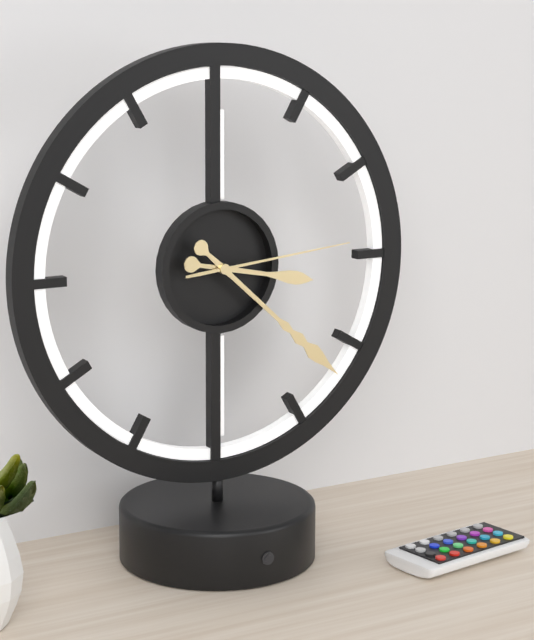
3:22:14
